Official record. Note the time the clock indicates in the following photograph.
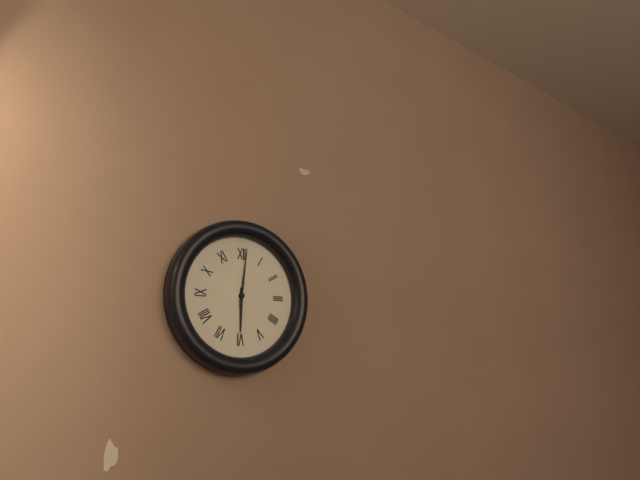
6:01
